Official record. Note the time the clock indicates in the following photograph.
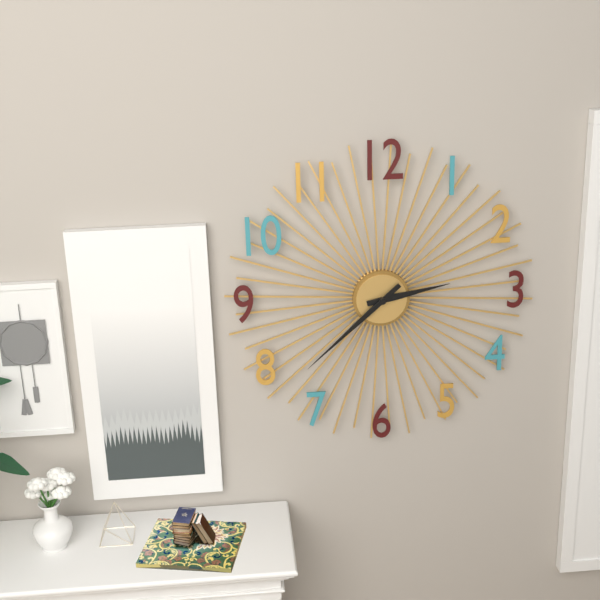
2:38
